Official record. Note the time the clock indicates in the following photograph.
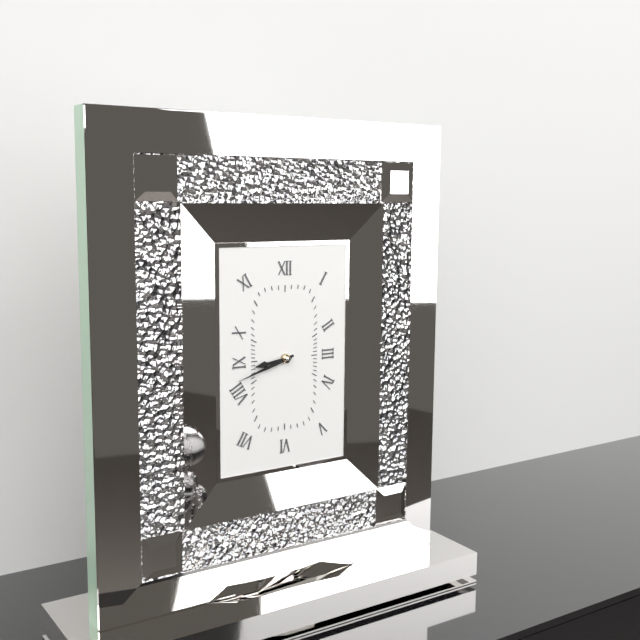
8:42
